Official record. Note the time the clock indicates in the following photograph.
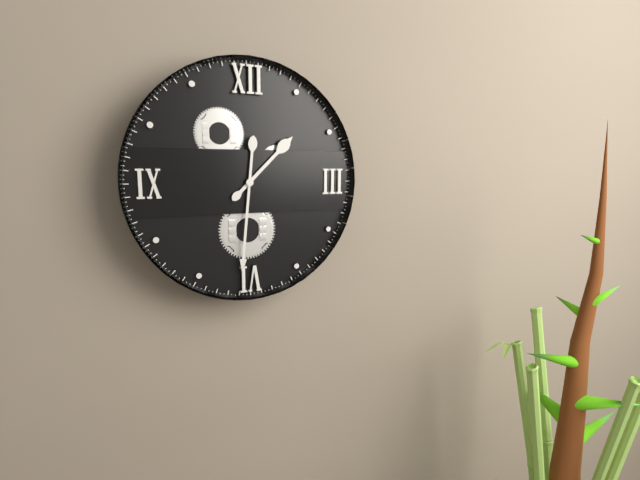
1:31
